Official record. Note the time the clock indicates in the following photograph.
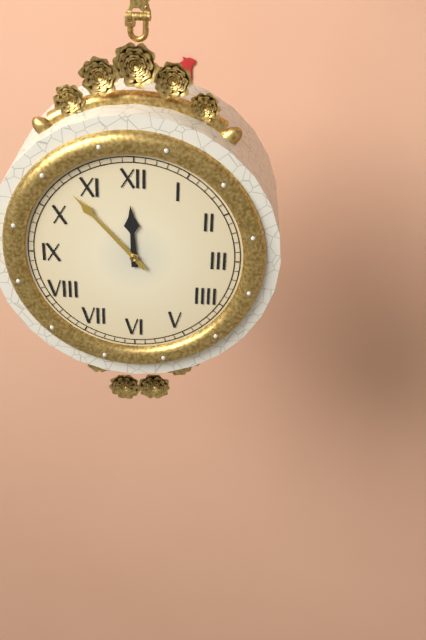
11:53
